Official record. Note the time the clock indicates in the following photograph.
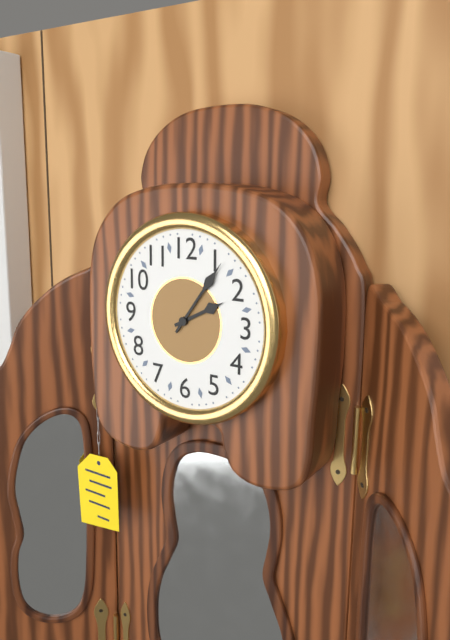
2:06
